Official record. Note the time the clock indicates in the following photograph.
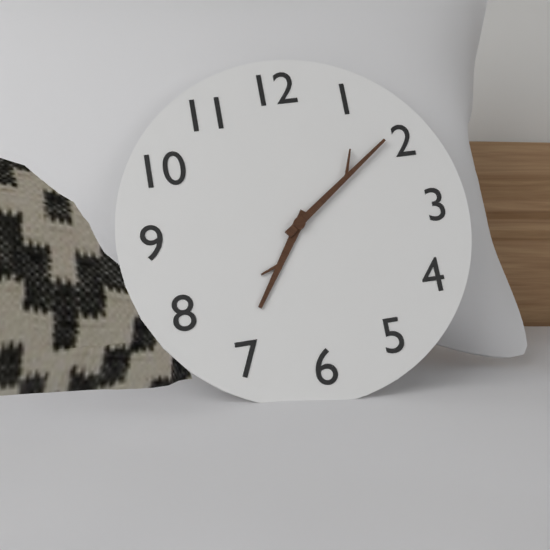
7:09
